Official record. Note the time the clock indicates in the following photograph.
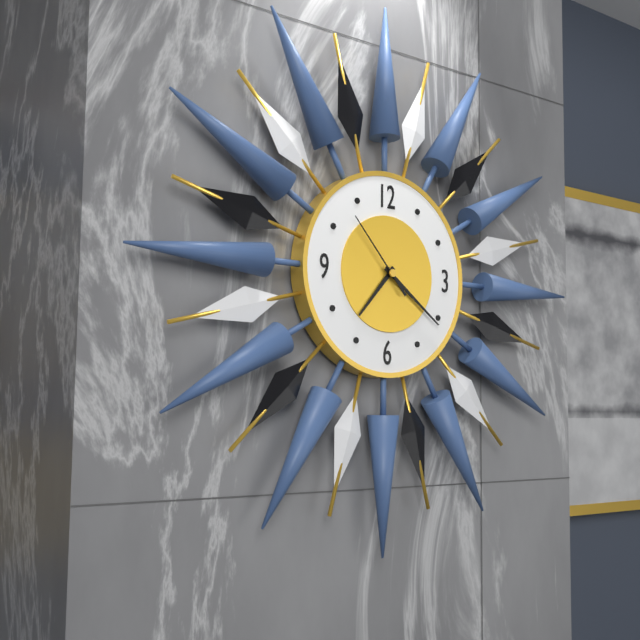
7:21:53
